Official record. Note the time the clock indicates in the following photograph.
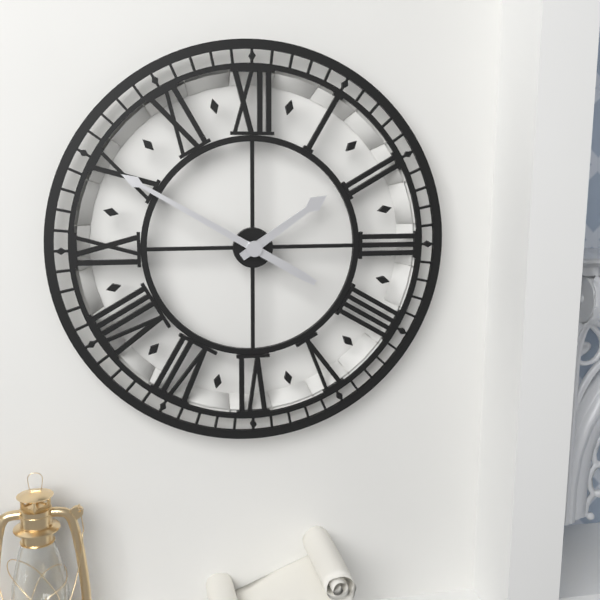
1:50
